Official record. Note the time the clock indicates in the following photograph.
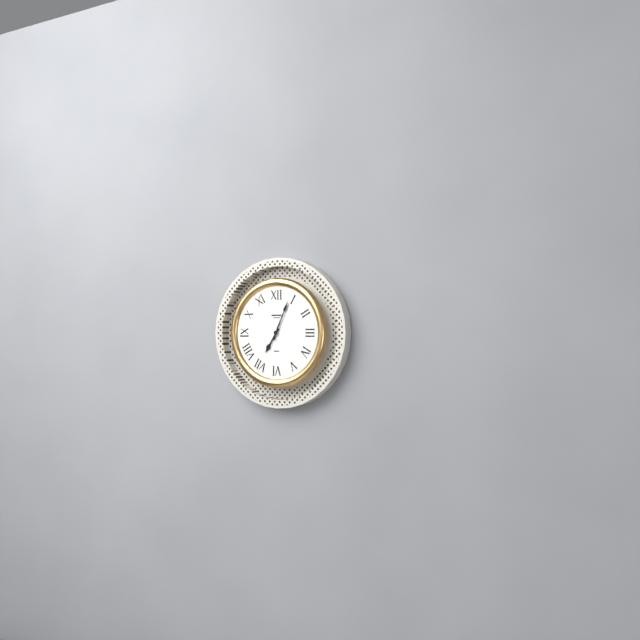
7:04
